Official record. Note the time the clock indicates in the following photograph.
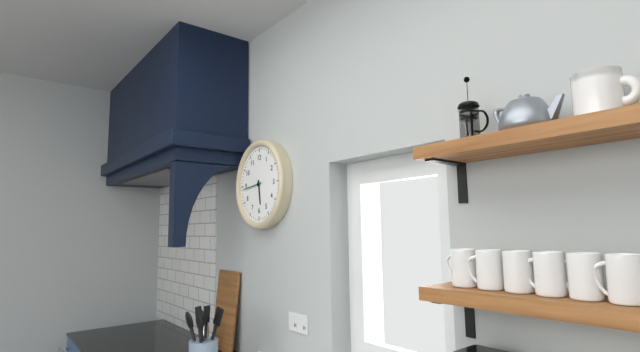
5:44
